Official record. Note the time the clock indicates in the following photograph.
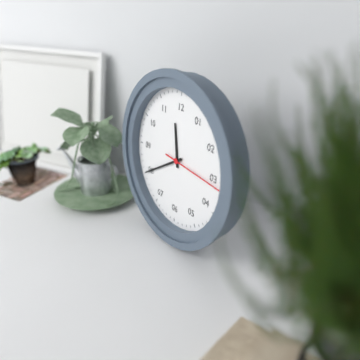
11:40:16
